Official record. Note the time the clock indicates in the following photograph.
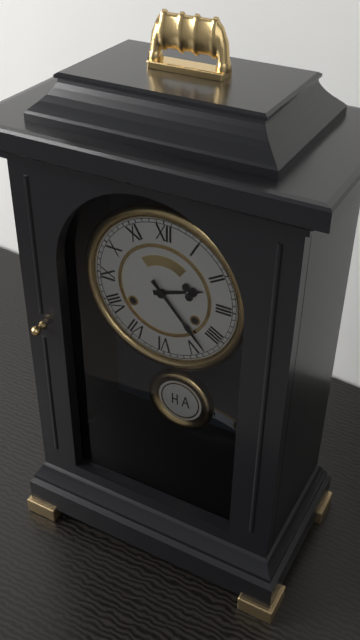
2:23
